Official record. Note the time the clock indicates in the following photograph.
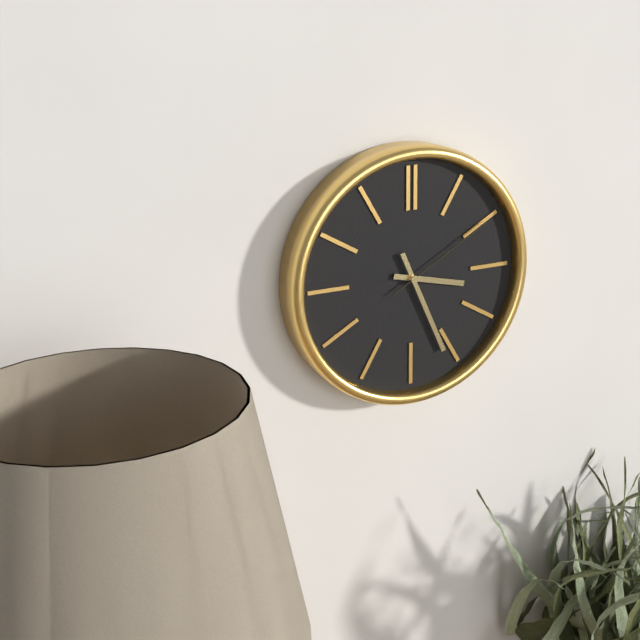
3:26:10
